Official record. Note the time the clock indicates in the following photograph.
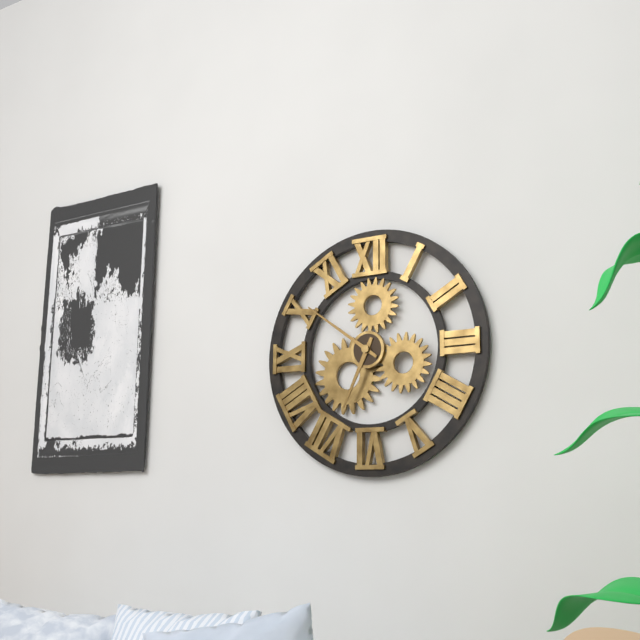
6:51
